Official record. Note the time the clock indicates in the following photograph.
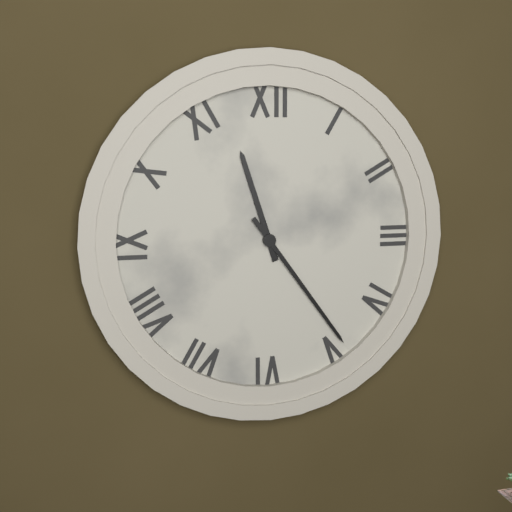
11:24
